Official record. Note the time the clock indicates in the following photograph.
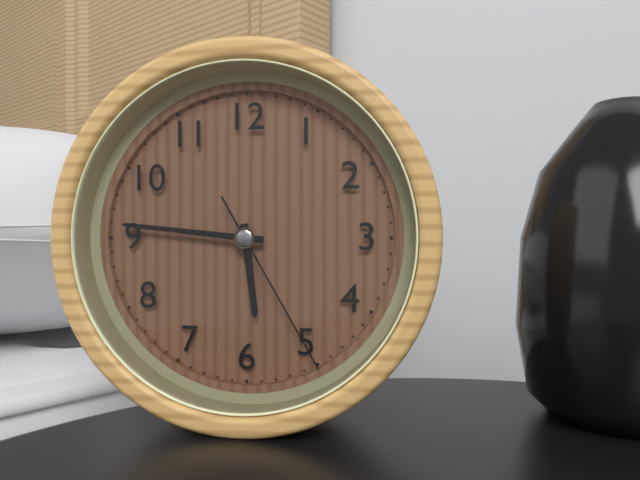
5:46:25
